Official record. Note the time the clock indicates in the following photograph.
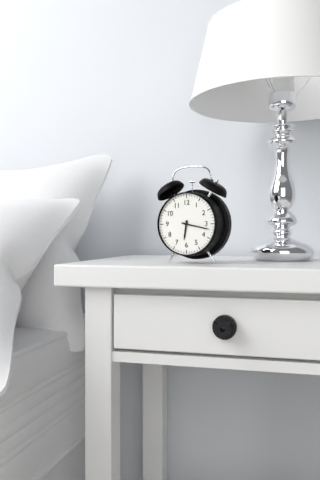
6:17
